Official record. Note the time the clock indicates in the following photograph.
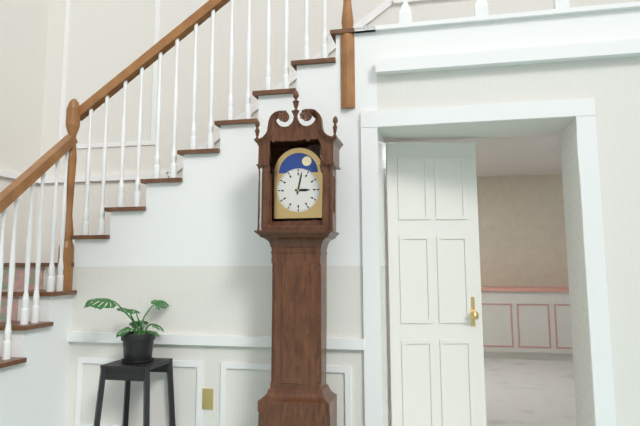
3:02
